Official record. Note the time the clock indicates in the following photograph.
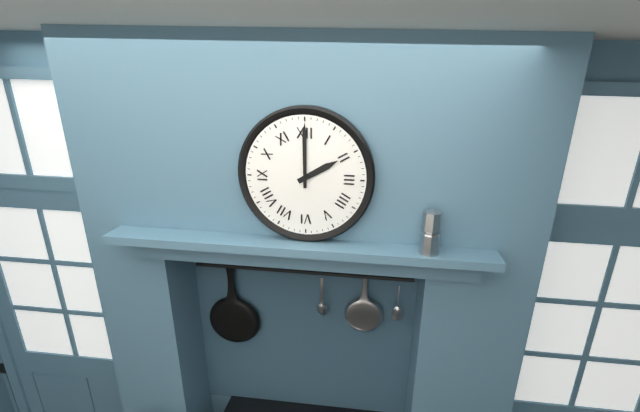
2:00
